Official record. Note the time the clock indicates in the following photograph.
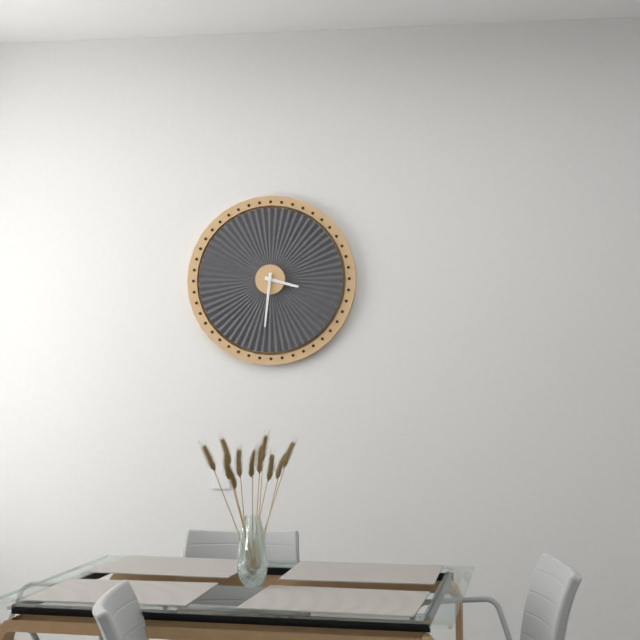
3:31
